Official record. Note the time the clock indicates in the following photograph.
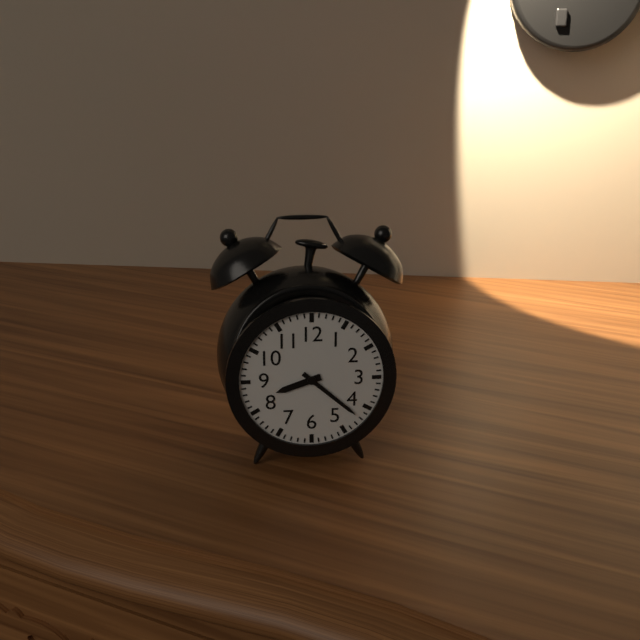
8:22
